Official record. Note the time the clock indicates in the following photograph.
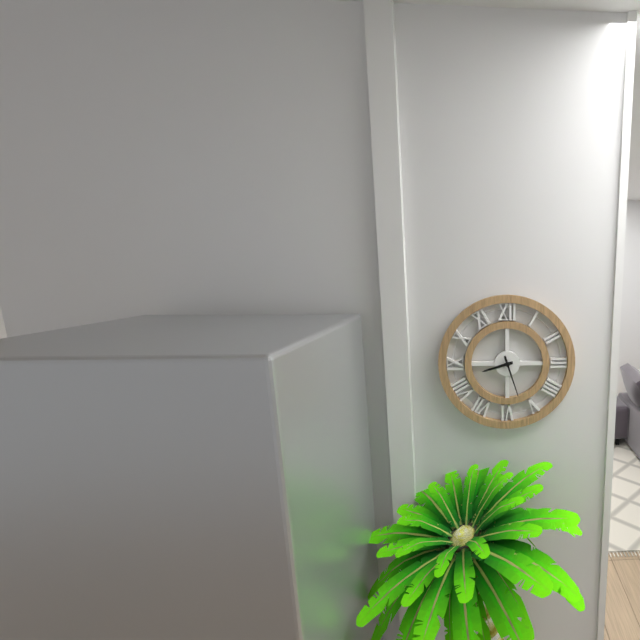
8:27
